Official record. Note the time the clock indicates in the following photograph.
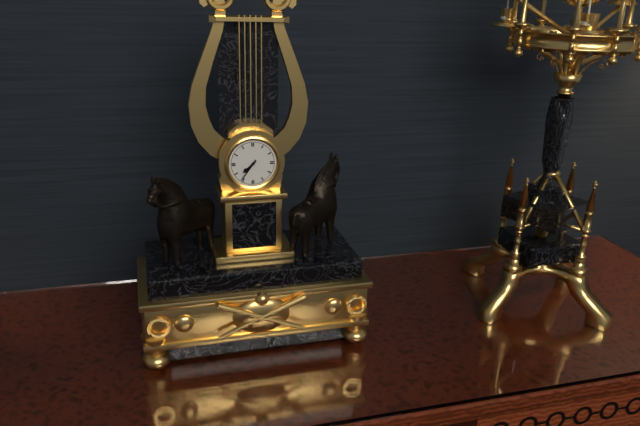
7:36
